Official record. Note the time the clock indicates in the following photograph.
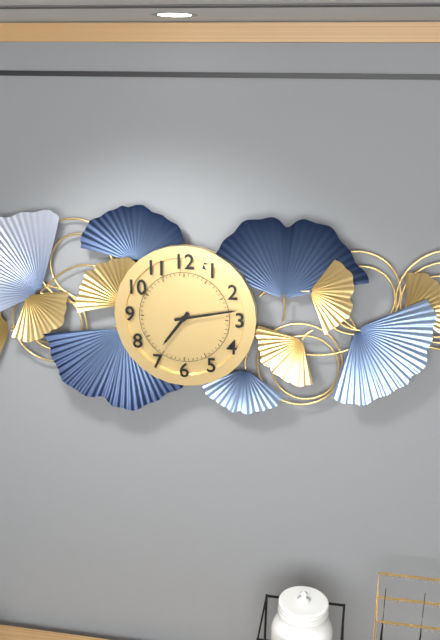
7:13
